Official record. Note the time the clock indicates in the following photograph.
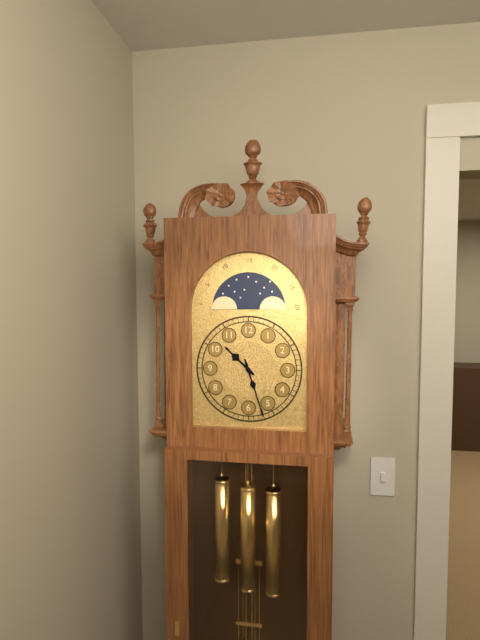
10:27
